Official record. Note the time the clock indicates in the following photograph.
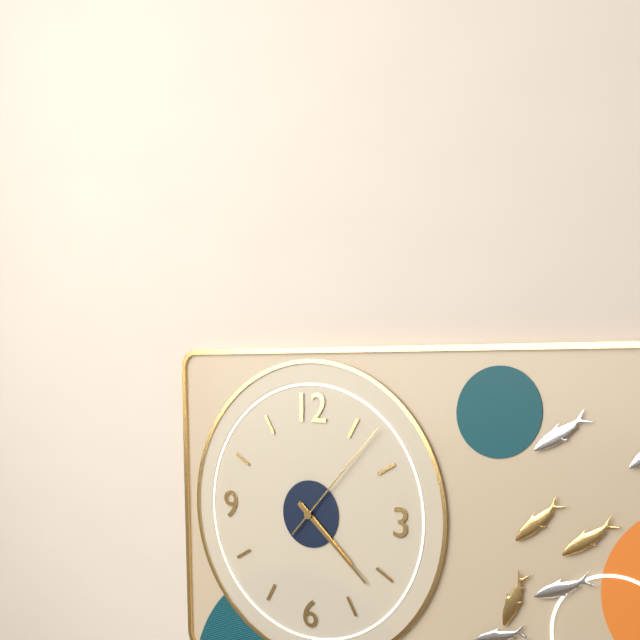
4:22:07
